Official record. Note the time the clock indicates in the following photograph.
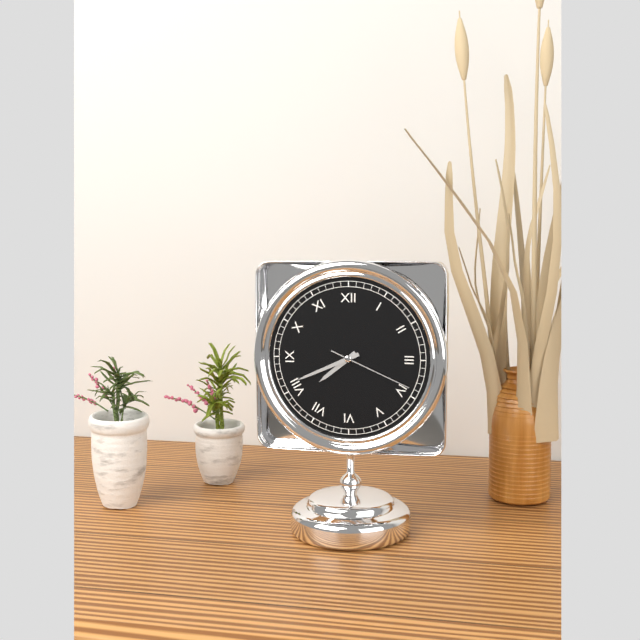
7:41:19
